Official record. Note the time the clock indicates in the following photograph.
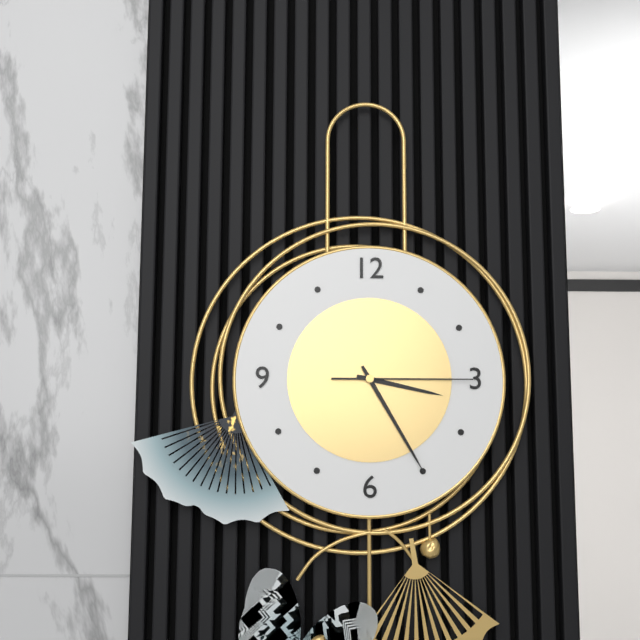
3:25:15
